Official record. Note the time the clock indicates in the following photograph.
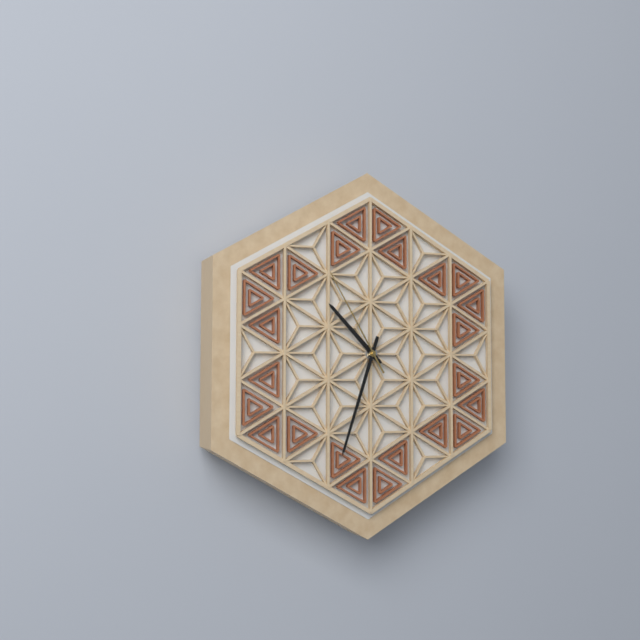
10:33:55
